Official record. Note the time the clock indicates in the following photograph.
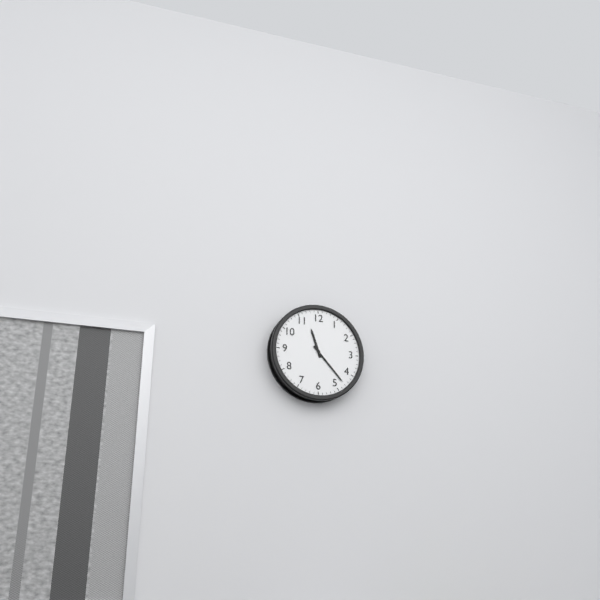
11:23
